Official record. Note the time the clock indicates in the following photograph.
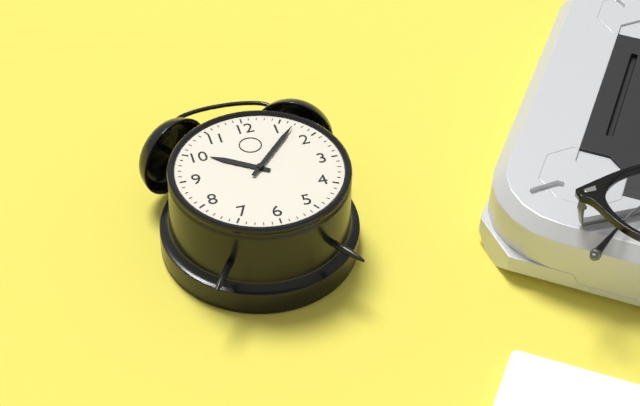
10:07
